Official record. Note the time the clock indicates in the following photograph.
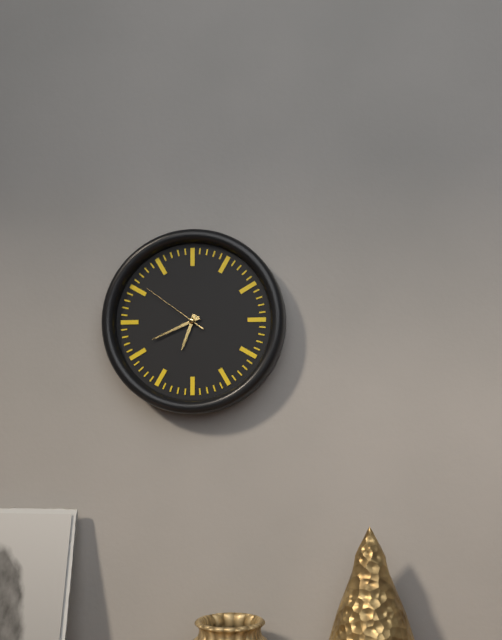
6:41:51
